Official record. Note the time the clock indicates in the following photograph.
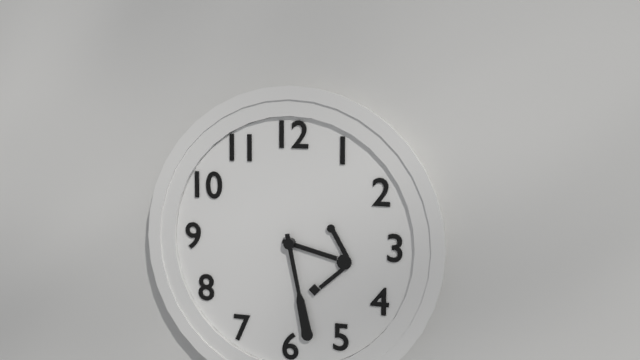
3:28
